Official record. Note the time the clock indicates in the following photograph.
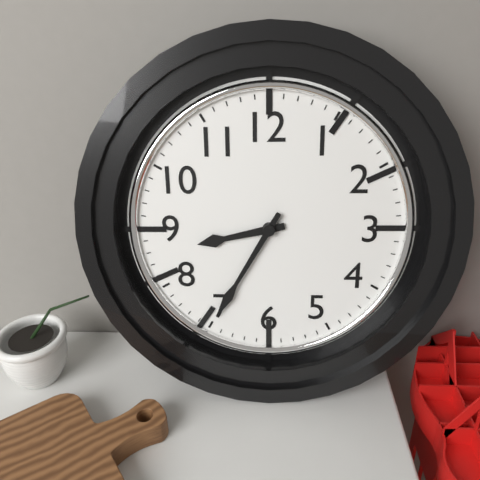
8:35
